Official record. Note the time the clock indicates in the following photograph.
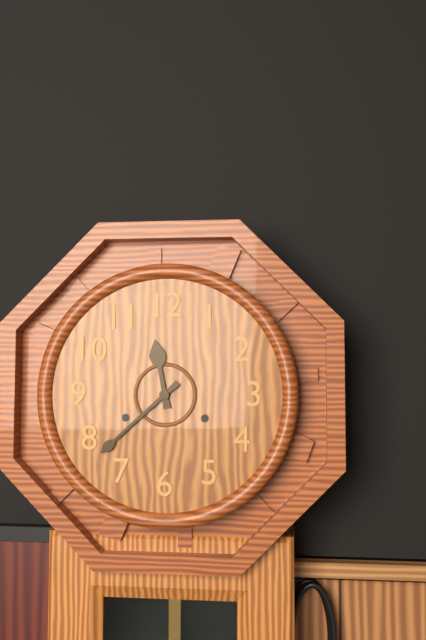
11:38
